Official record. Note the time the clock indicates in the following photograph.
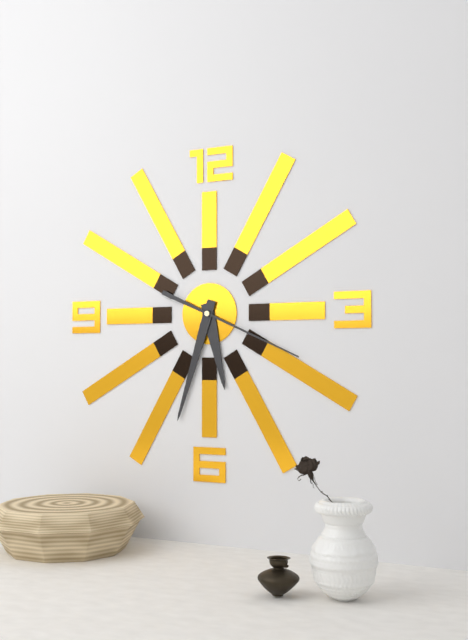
5:33:19
